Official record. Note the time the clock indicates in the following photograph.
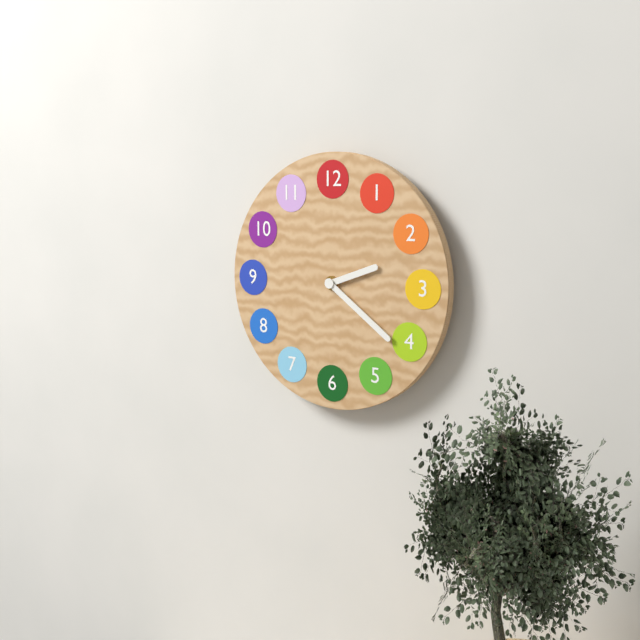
2:21
